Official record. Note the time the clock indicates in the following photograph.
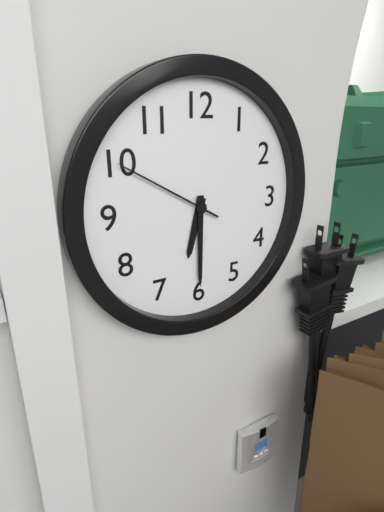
6:30:50
